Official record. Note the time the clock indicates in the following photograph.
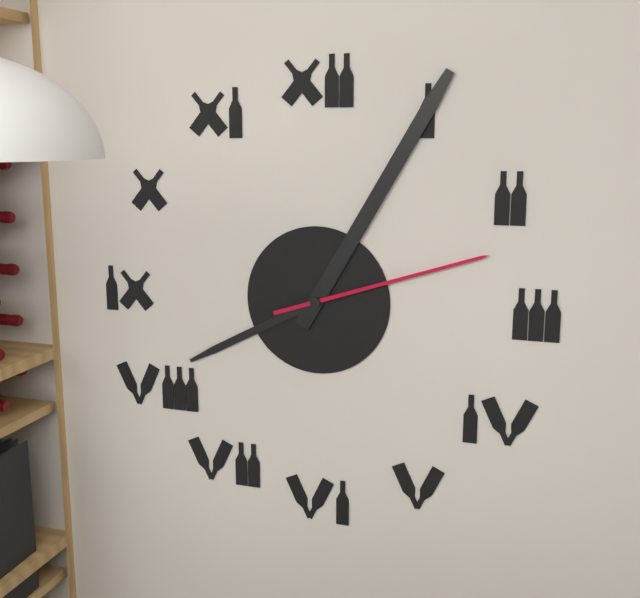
8:05:12
